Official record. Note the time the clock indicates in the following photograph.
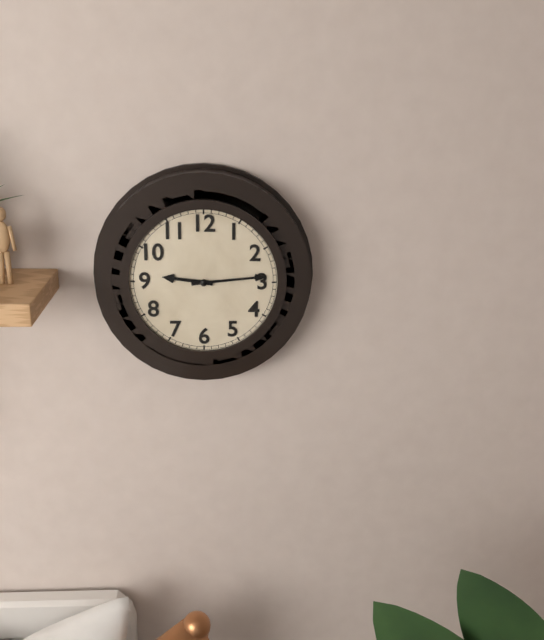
9:14
